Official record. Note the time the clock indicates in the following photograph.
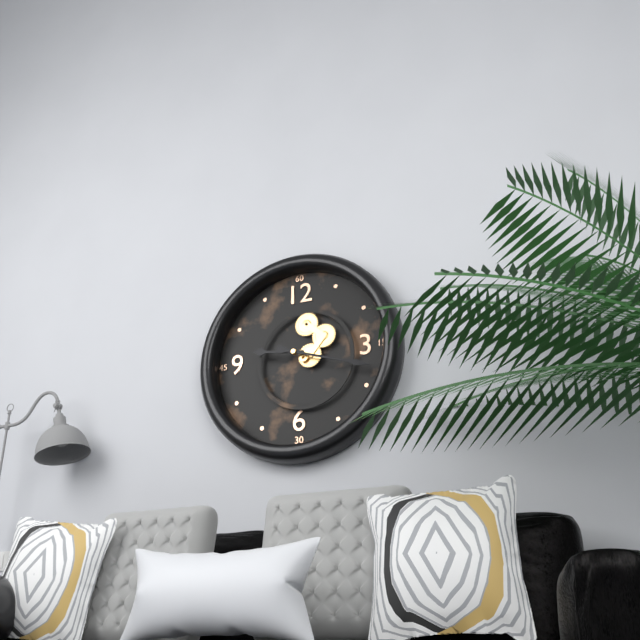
9:18
